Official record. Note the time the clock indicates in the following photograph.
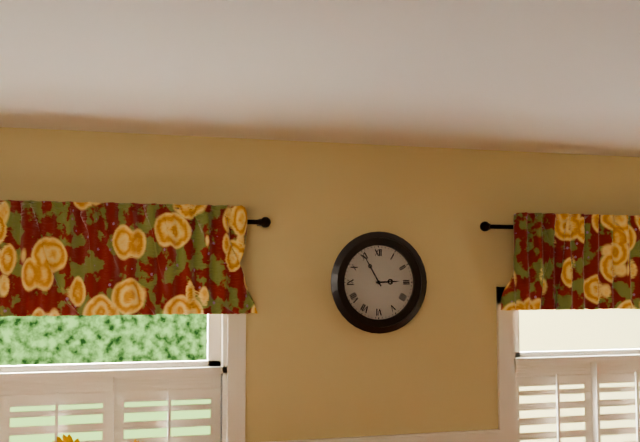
2:55
